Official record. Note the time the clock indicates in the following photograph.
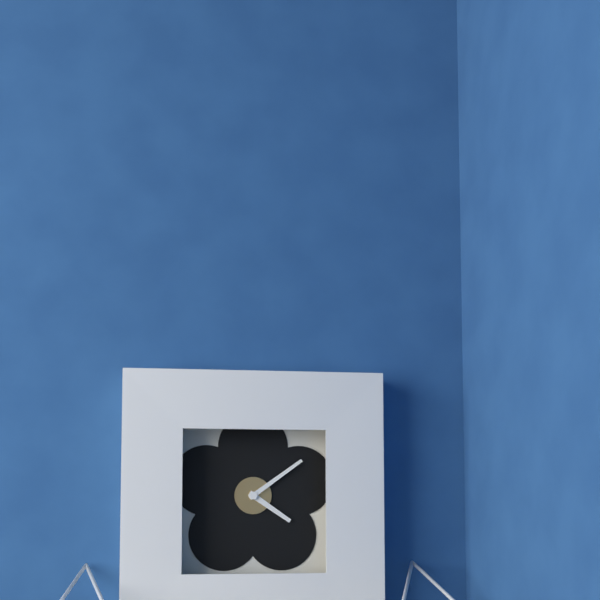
4:09
